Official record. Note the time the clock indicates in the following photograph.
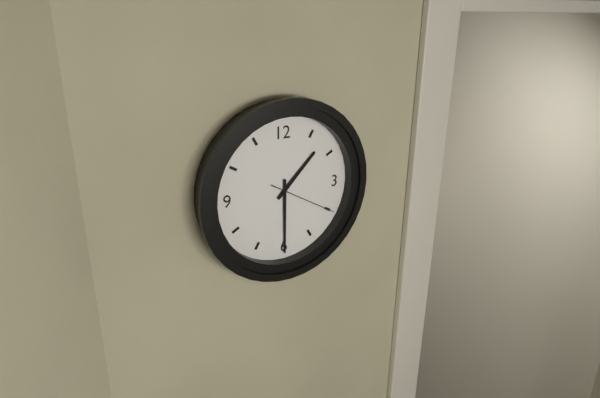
1:30:20
